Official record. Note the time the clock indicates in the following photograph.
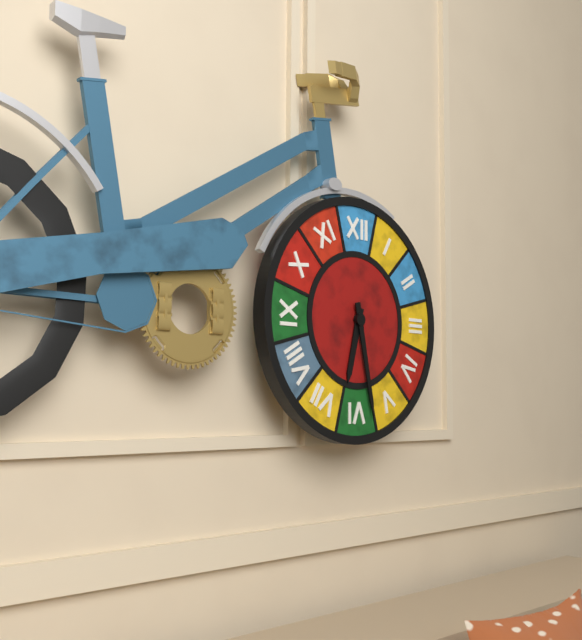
6:28
